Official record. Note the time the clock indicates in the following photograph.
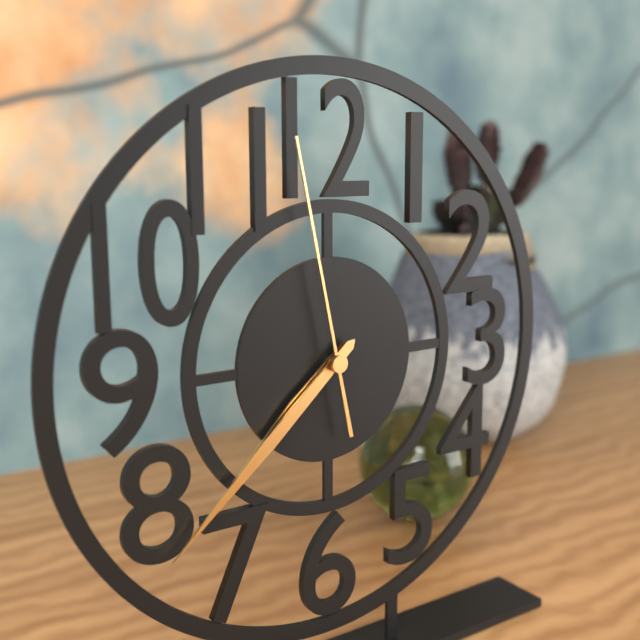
7:38:58
